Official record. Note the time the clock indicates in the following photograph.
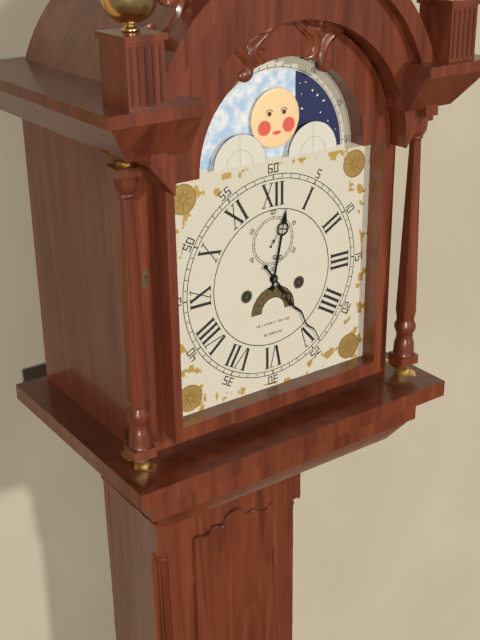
12:24
